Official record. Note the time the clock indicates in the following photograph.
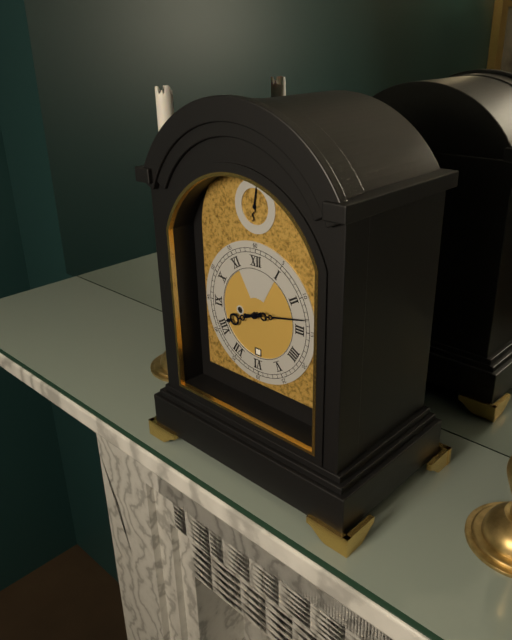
8:13
